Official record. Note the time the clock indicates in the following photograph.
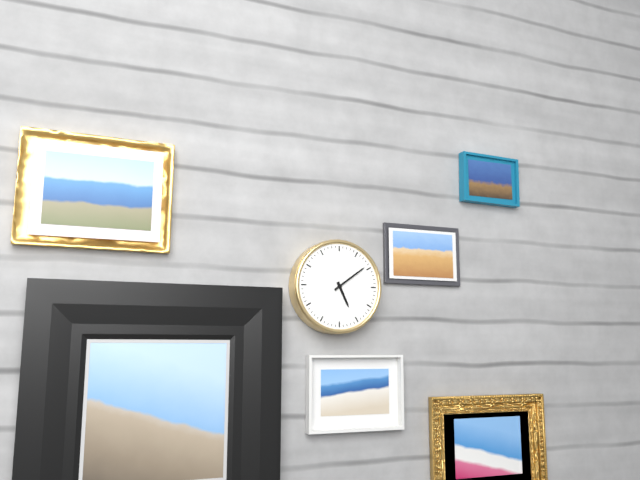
5:09
